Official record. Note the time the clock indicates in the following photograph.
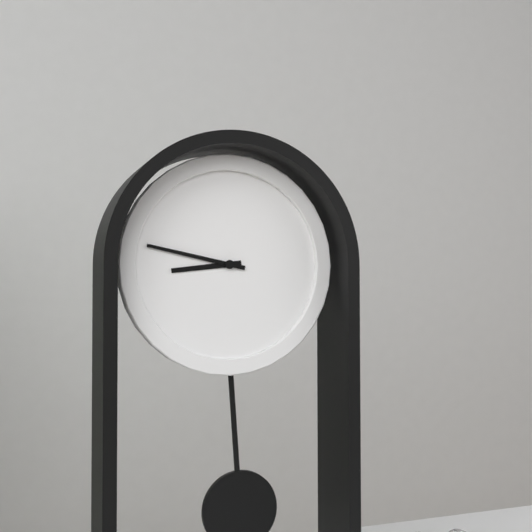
8:47
